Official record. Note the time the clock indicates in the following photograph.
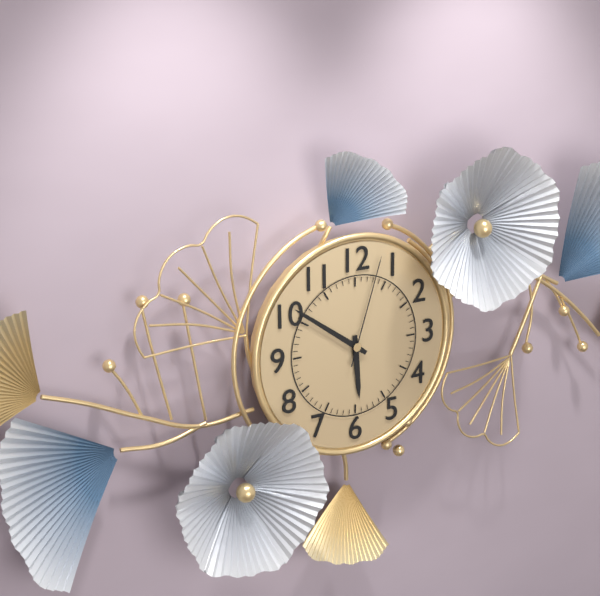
5:51:03
